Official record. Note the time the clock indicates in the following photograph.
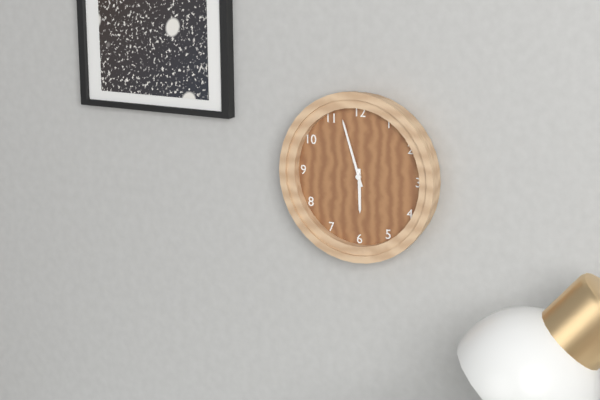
5:57
